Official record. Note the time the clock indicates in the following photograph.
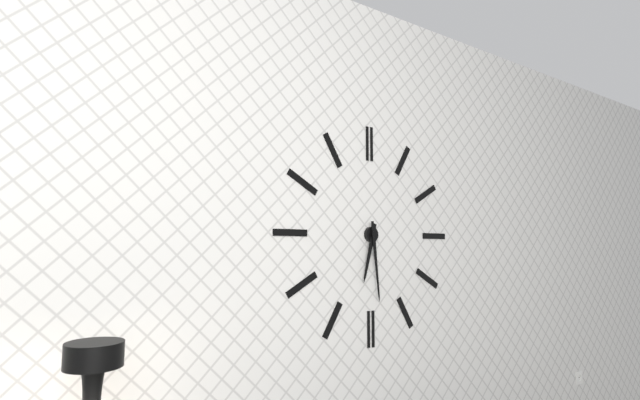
6:29
